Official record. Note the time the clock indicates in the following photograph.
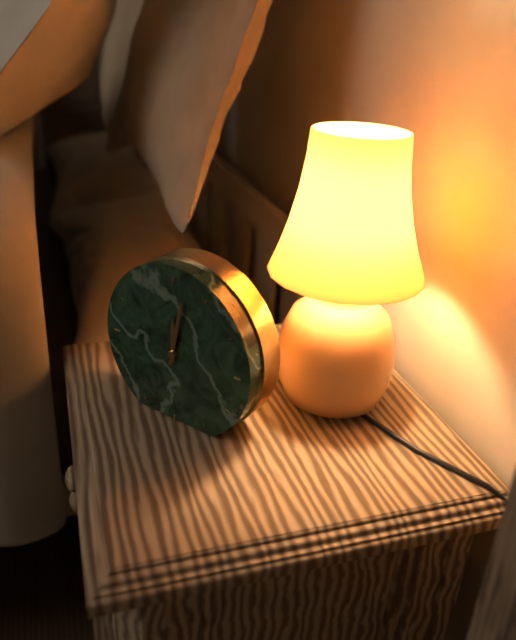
12:02
